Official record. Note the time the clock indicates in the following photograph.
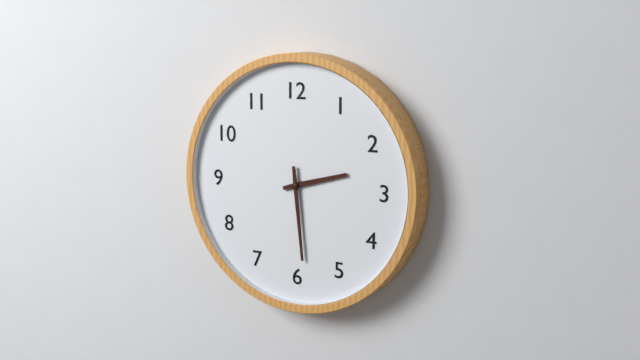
2:29
